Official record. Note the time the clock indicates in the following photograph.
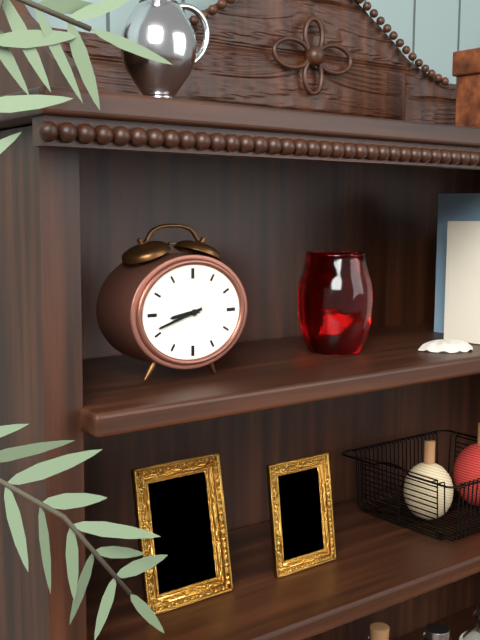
8:42
